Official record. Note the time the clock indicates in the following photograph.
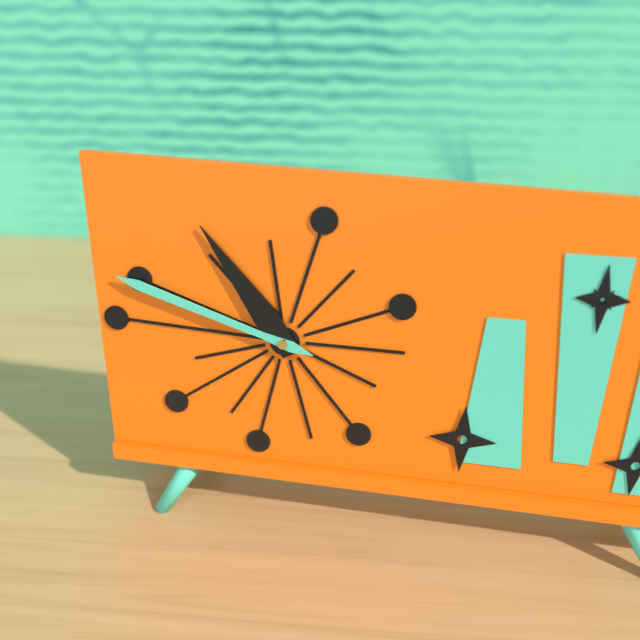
10:48
